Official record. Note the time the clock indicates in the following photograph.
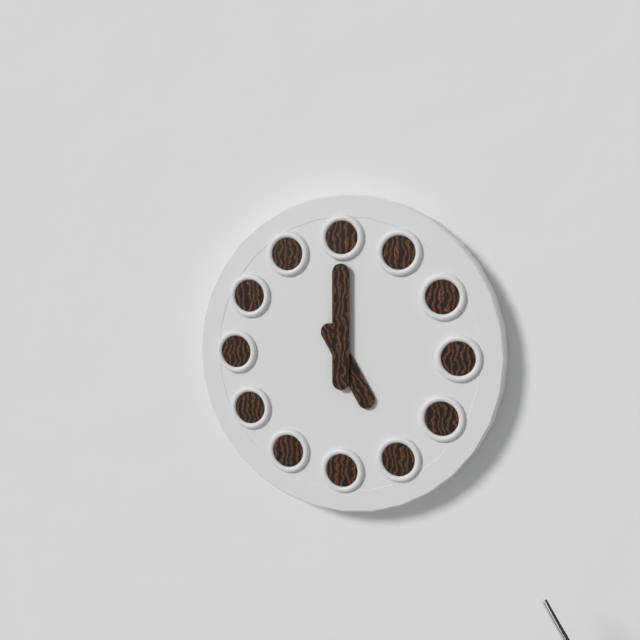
5:00
